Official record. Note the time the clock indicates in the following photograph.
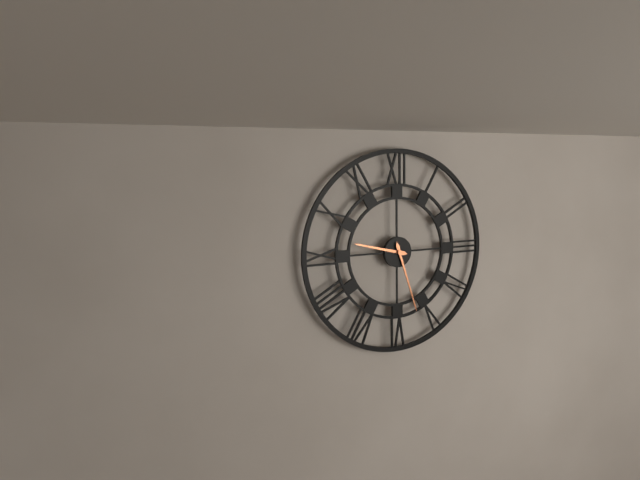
9:27
